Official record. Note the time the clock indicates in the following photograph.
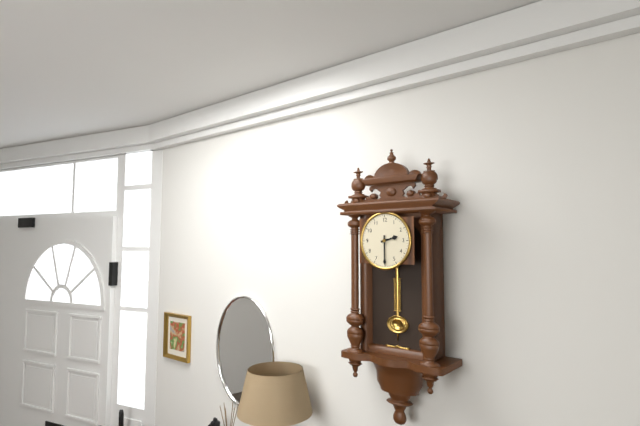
2:30
